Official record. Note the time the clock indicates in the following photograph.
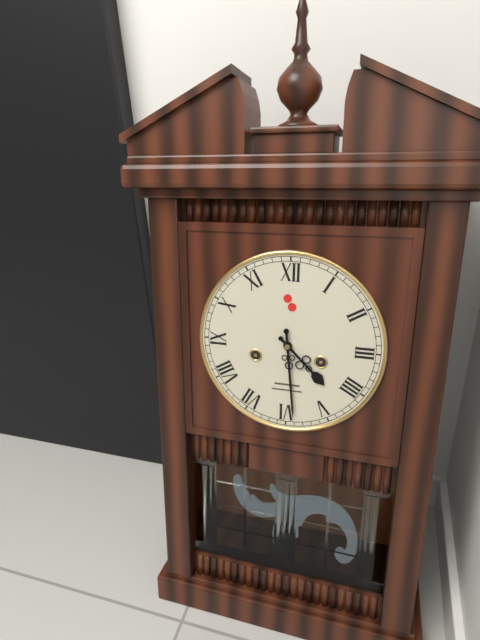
4:29
